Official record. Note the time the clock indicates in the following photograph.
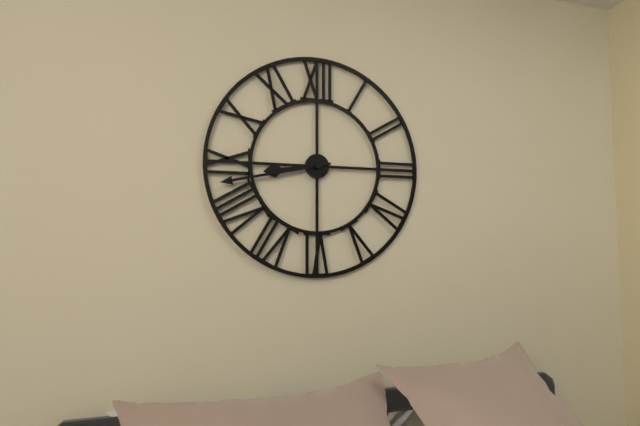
8:43
